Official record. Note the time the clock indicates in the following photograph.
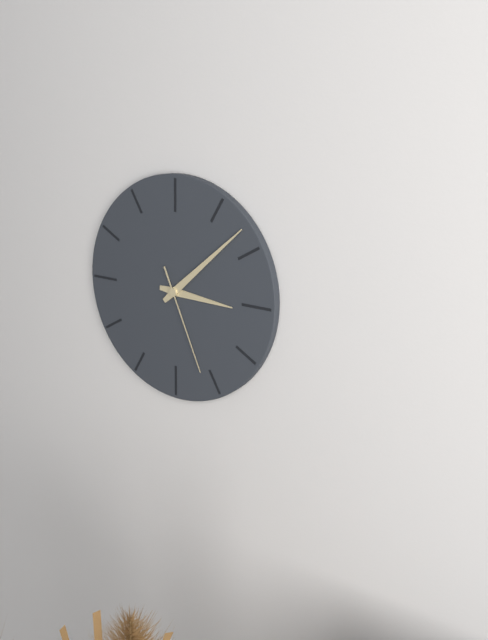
3:08:26
